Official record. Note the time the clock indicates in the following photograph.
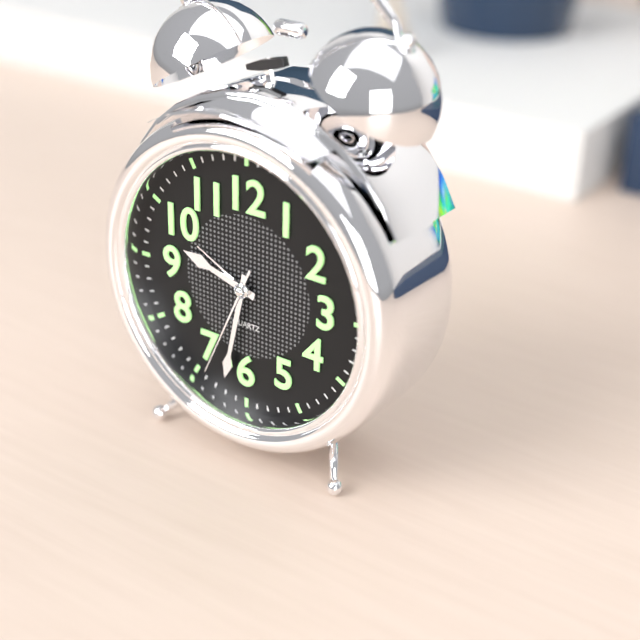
9:32:34
